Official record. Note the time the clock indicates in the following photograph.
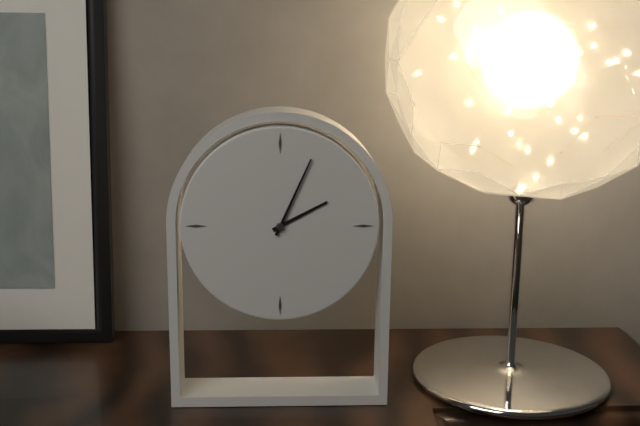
2:04
